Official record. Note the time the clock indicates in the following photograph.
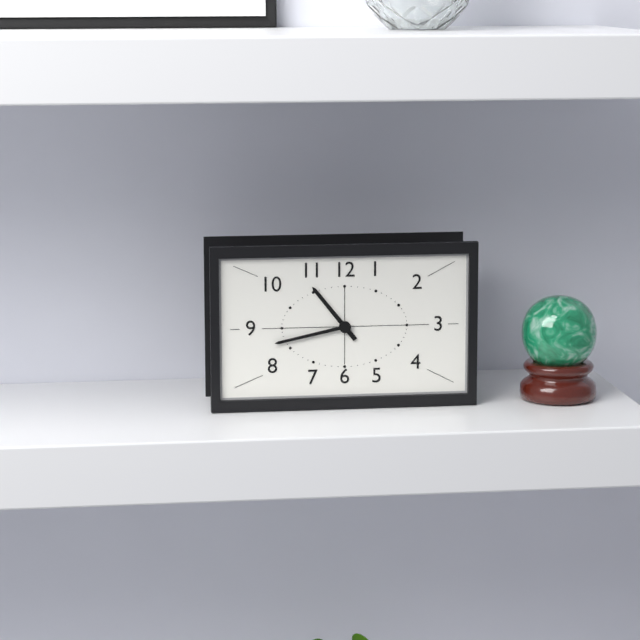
10:43
